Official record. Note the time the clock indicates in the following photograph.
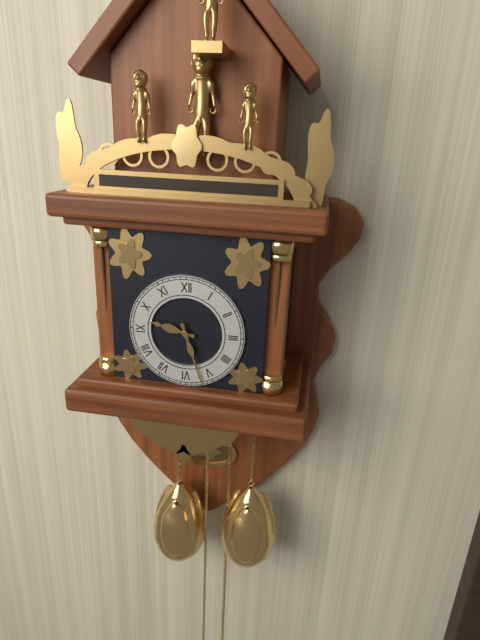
9:27
